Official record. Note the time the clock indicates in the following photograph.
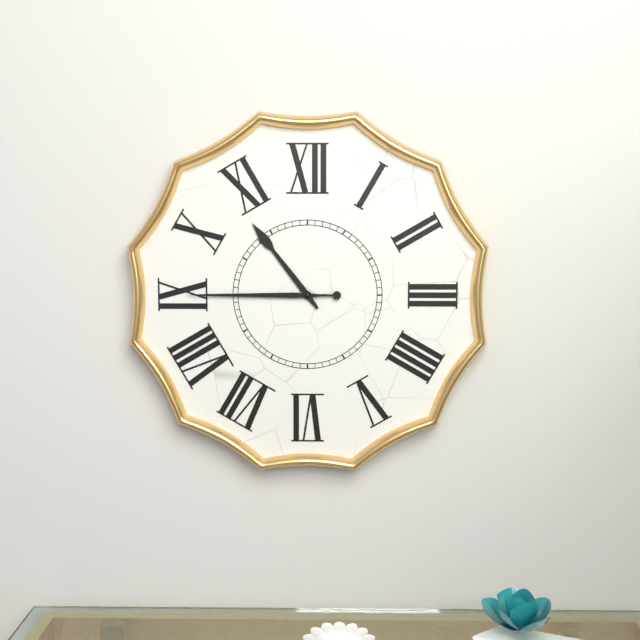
10:45
